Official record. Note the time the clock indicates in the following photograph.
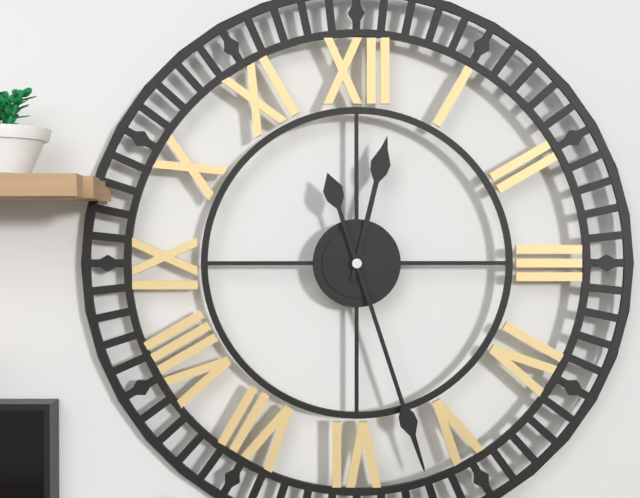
12:27
